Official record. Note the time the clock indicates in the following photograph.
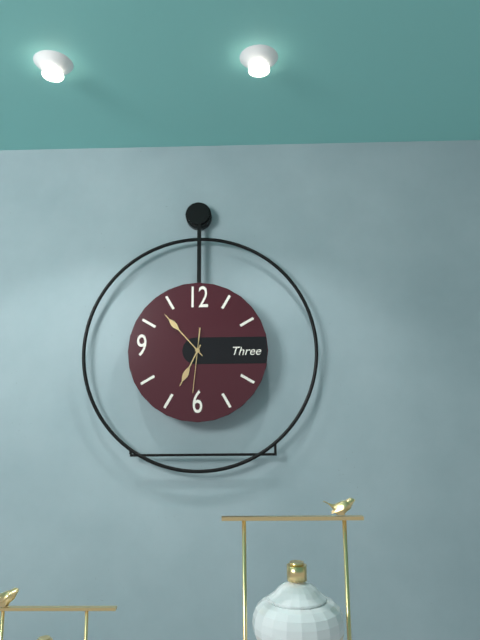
6:53:31
